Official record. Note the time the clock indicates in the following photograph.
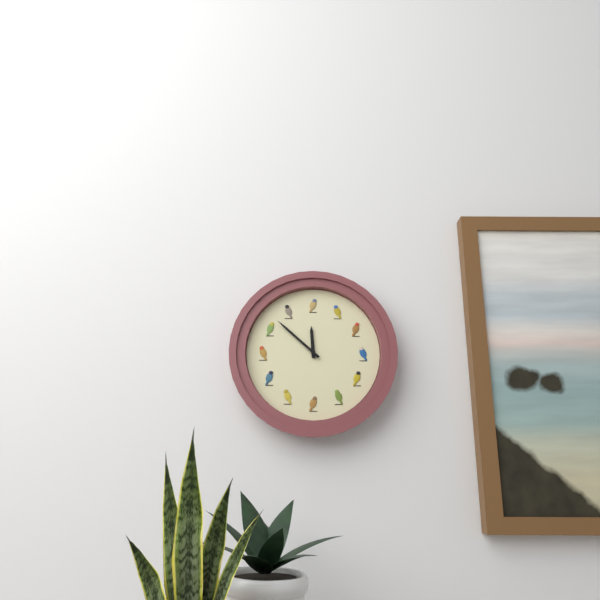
11:52
